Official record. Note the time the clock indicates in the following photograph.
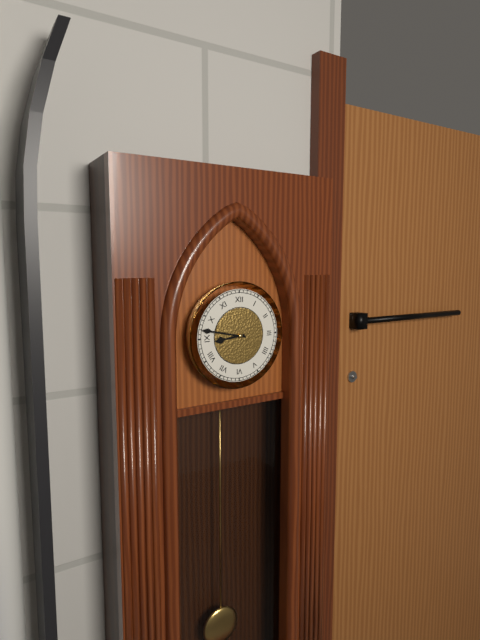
8:47
